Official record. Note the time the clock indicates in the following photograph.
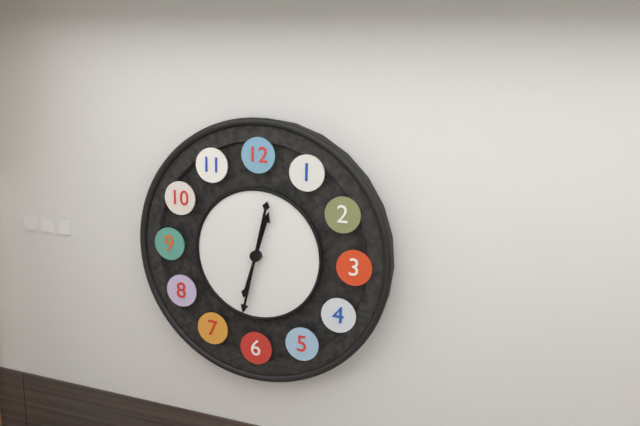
12:32
